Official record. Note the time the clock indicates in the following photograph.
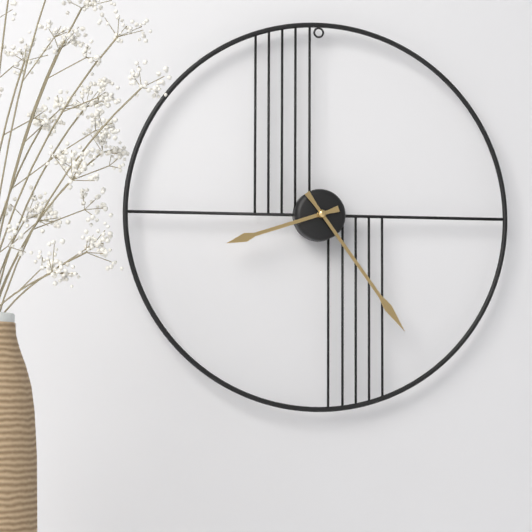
8:24
